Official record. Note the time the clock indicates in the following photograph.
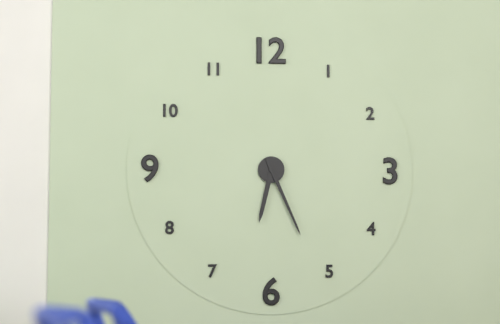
6:26
